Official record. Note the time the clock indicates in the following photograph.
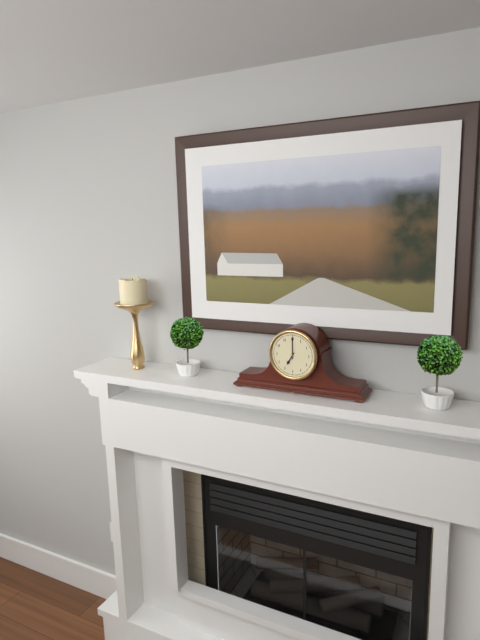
7:00
